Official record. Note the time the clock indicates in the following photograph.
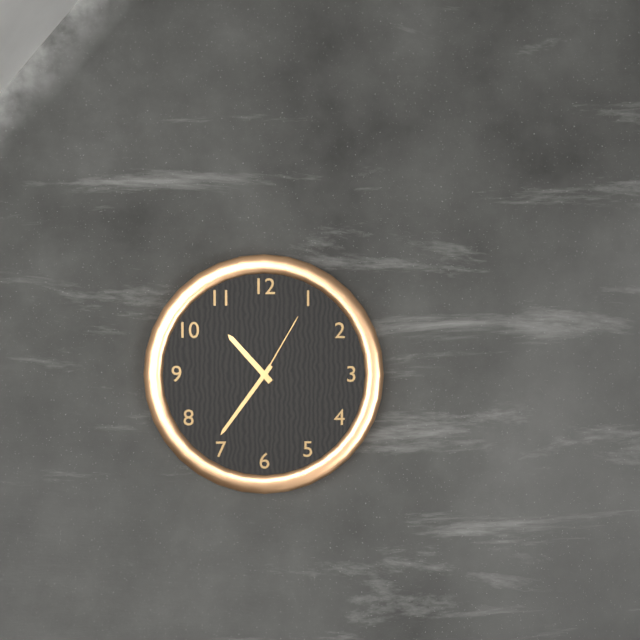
10:36:05
